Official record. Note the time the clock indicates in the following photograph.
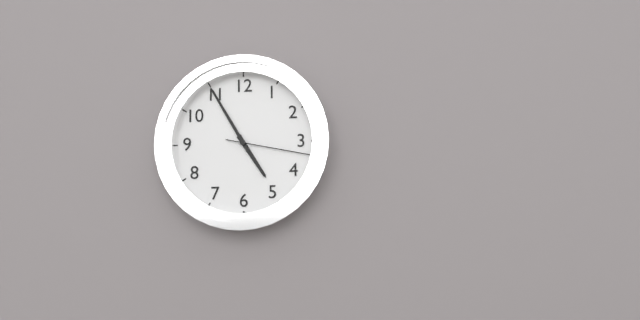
4:55:17
